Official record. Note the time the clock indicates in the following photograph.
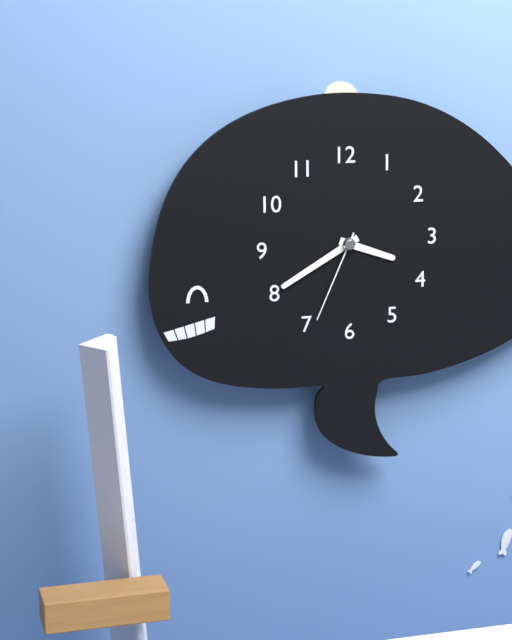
3:40:34
